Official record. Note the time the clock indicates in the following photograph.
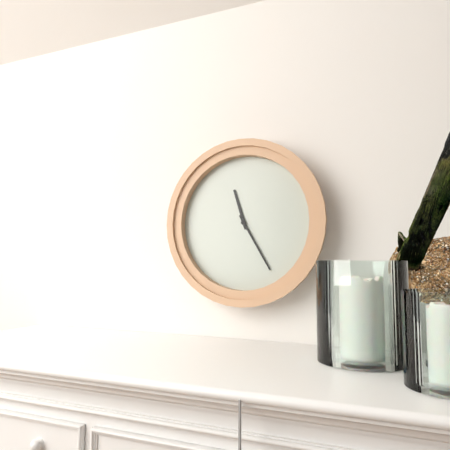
11:25
